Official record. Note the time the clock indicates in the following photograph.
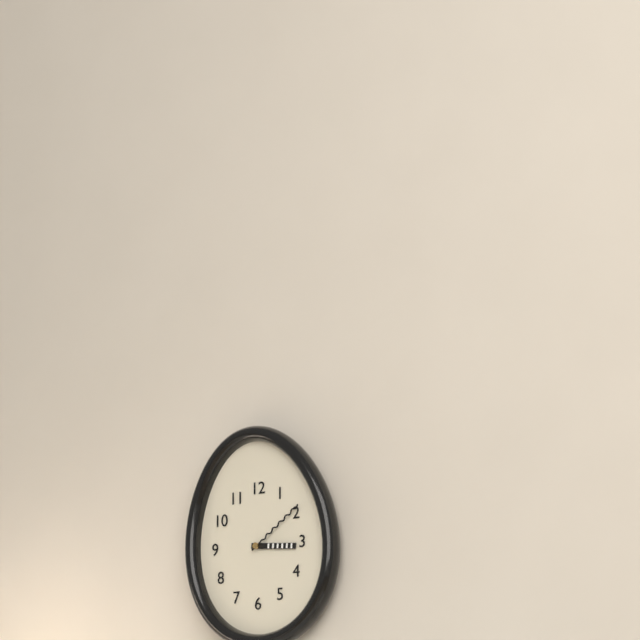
3:09
